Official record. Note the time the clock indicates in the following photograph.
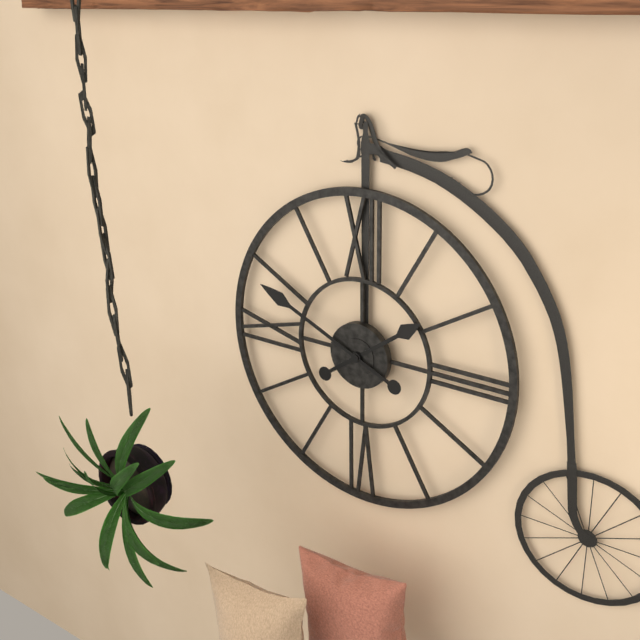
1:49
